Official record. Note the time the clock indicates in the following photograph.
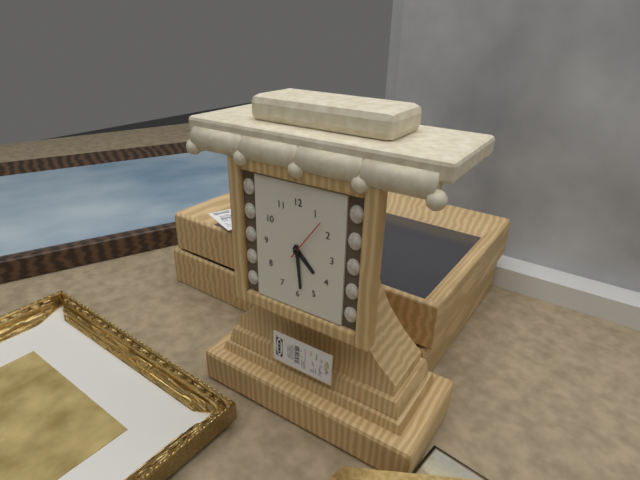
4:29
